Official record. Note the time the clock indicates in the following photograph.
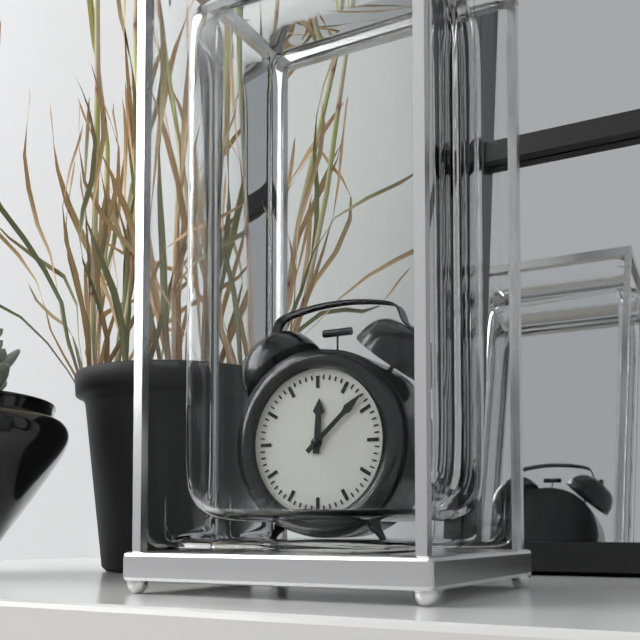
12:08
